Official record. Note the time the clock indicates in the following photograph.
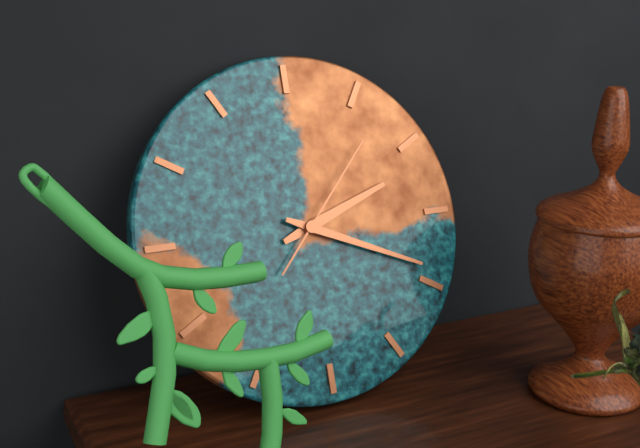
2:19:07
